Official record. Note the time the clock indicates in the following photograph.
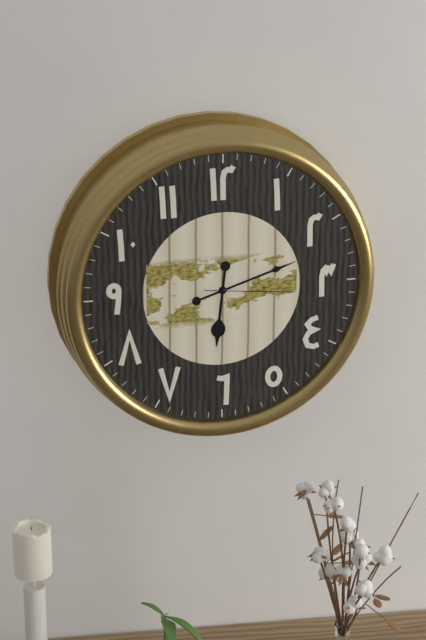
6:12:16
